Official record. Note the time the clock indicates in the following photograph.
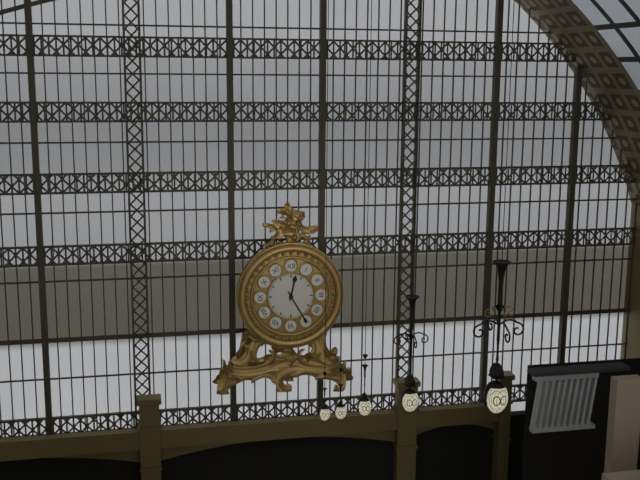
12:25
